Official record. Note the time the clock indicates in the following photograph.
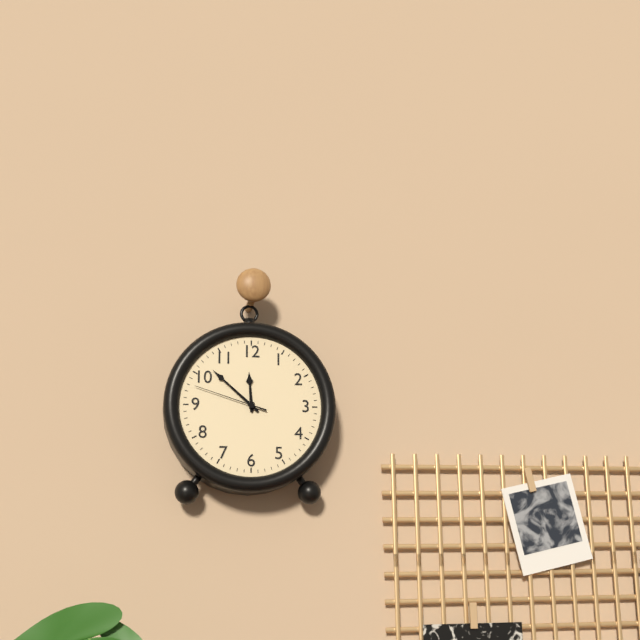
11:52:48
